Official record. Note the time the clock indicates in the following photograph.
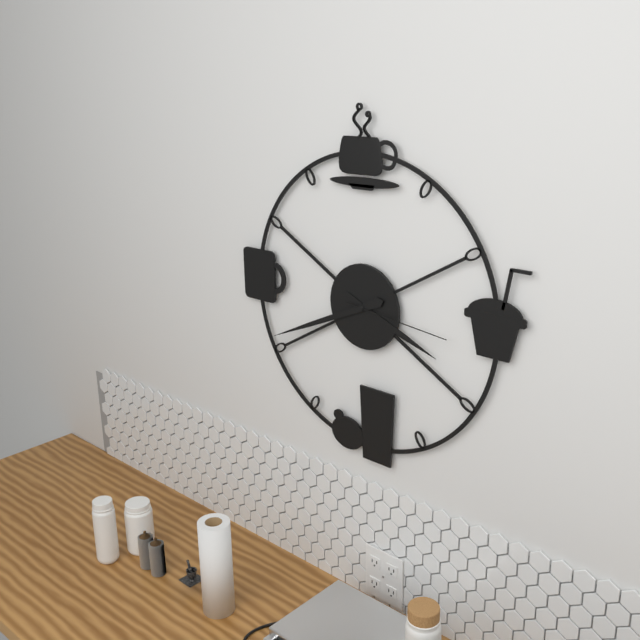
3:41:16
